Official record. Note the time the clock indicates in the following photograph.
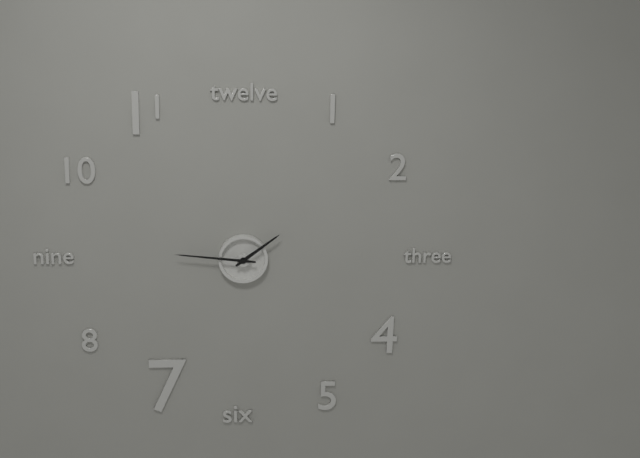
1:46
